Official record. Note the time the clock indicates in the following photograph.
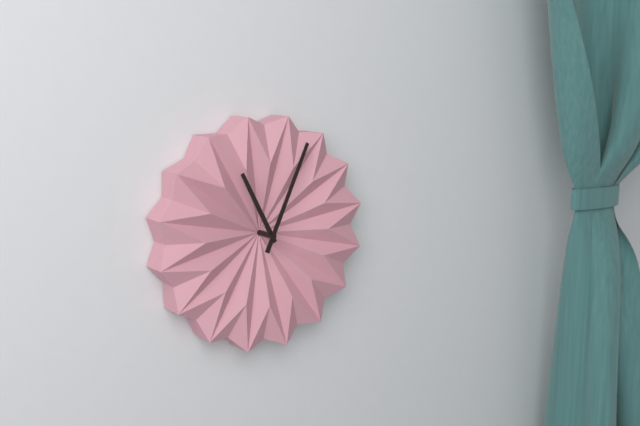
11:04
